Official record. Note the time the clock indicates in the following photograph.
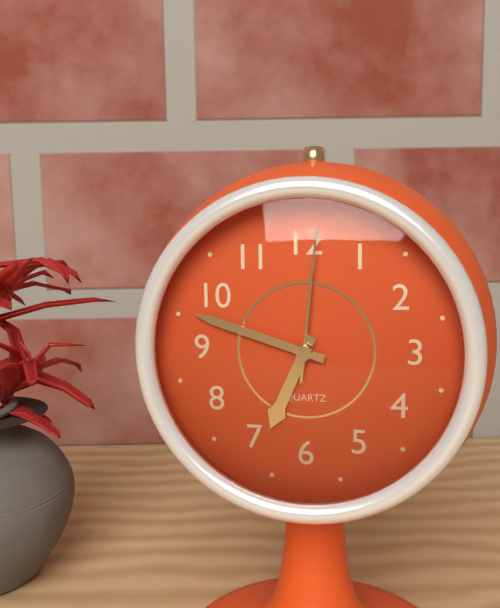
6:48:01
